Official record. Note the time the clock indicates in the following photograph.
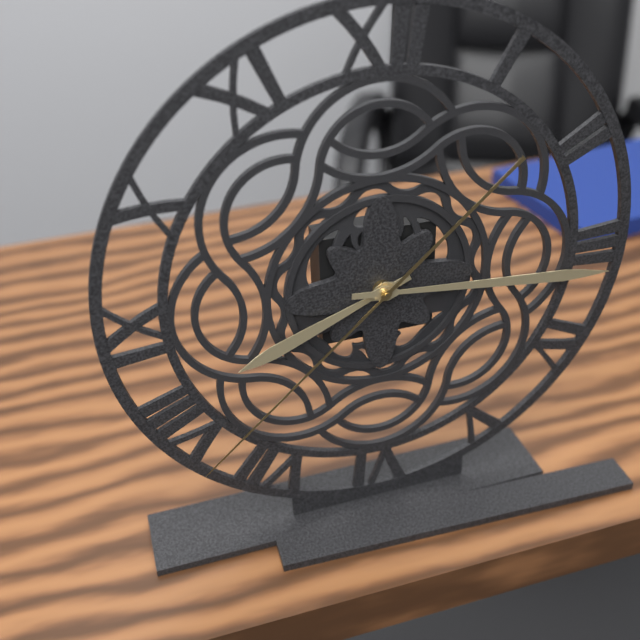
8:16:38
